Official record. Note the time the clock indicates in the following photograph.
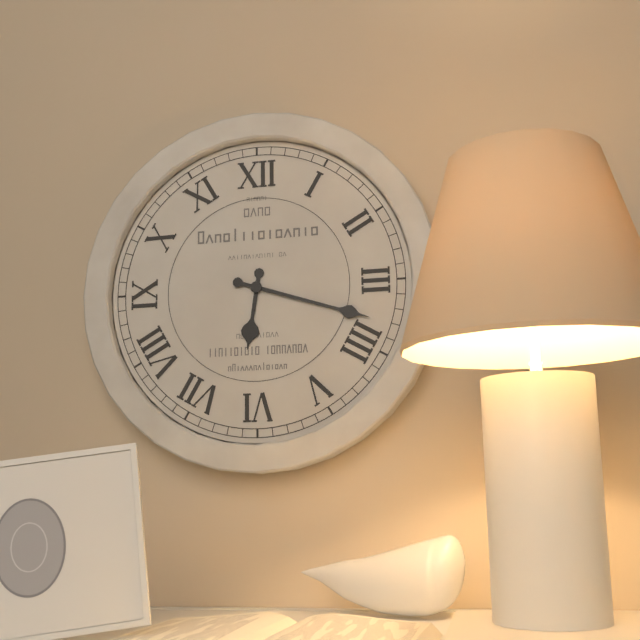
6:18
